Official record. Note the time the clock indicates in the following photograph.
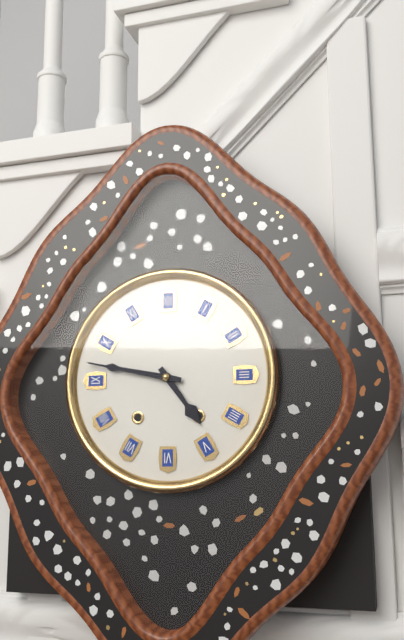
4:47
